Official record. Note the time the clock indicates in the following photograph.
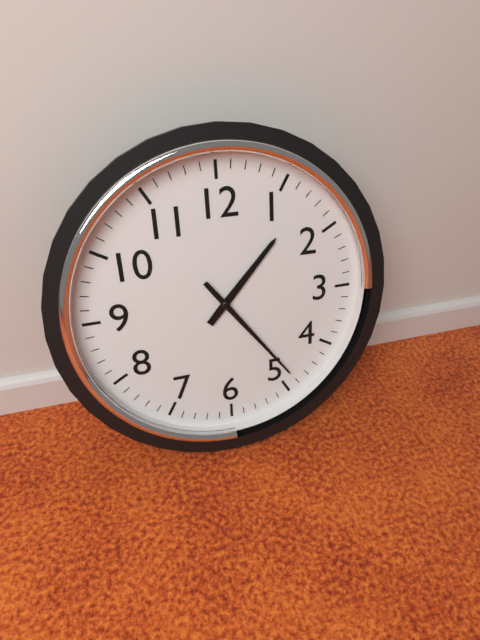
1:24
